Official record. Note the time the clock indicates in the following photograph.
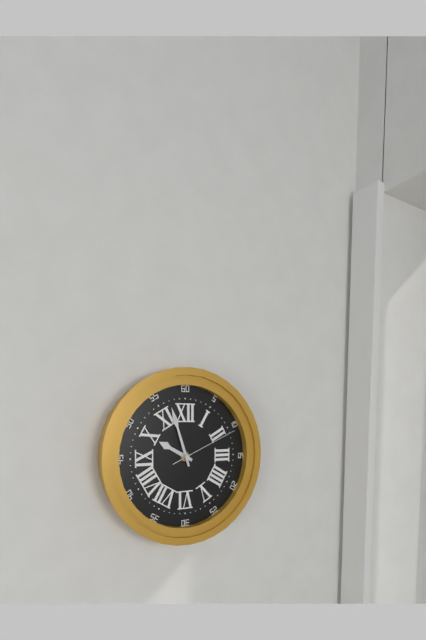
9:57:11
